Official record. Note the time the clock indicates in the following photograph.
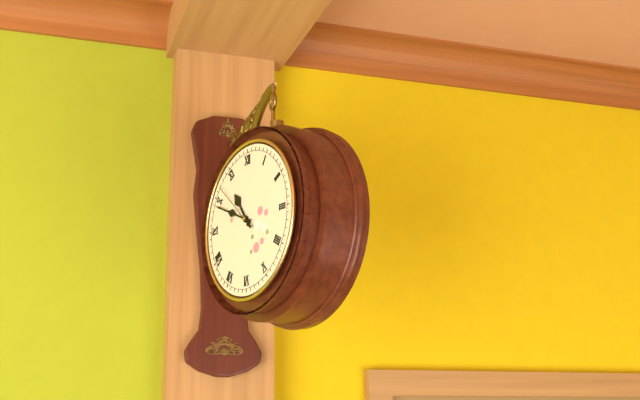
10:49:52
